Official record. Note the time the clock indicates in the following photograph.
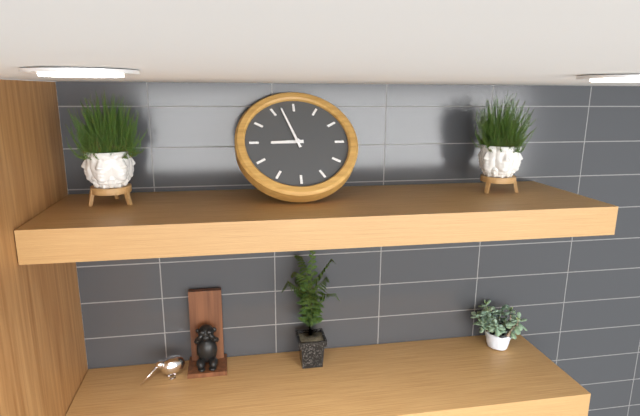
8:57
